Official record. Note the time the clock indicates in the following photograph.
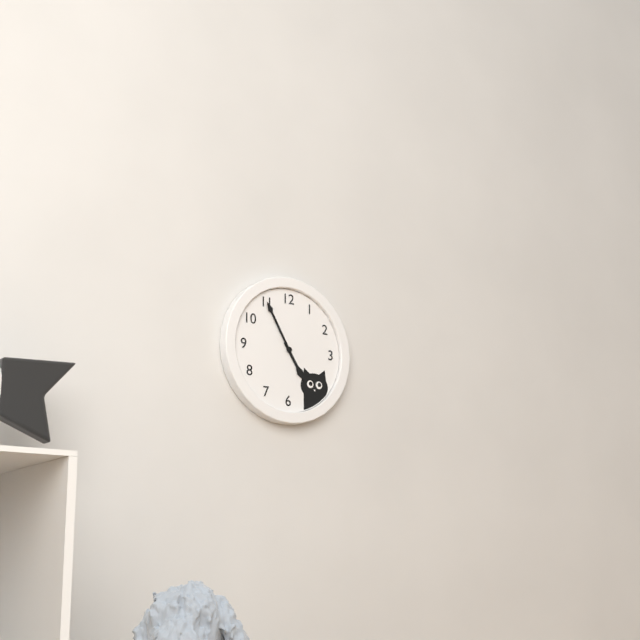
4:55
